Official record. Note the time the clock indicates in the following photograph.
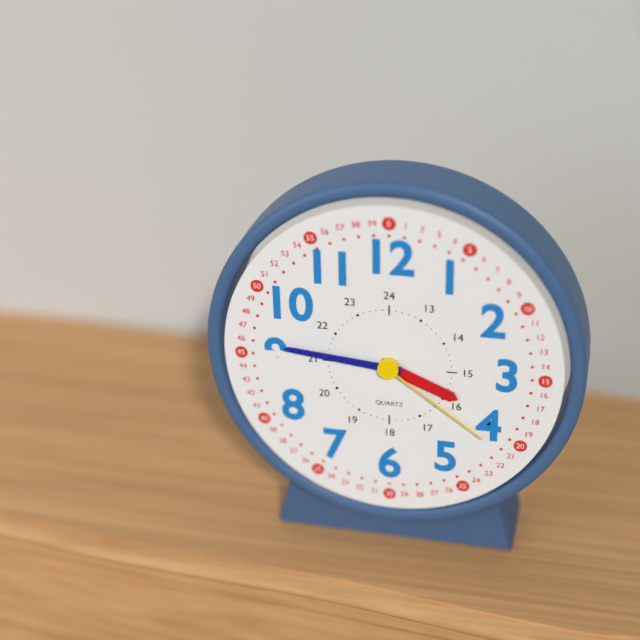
3:46:21
